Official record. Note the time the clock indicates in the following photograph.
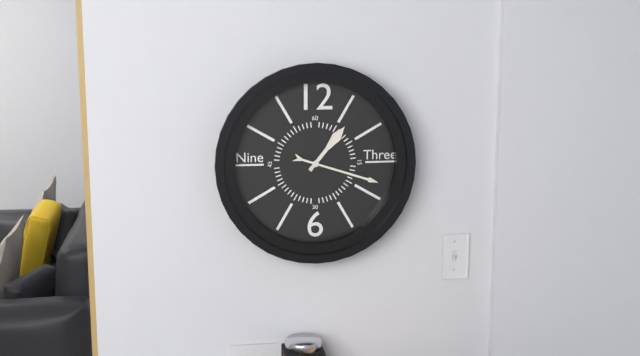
1:18
